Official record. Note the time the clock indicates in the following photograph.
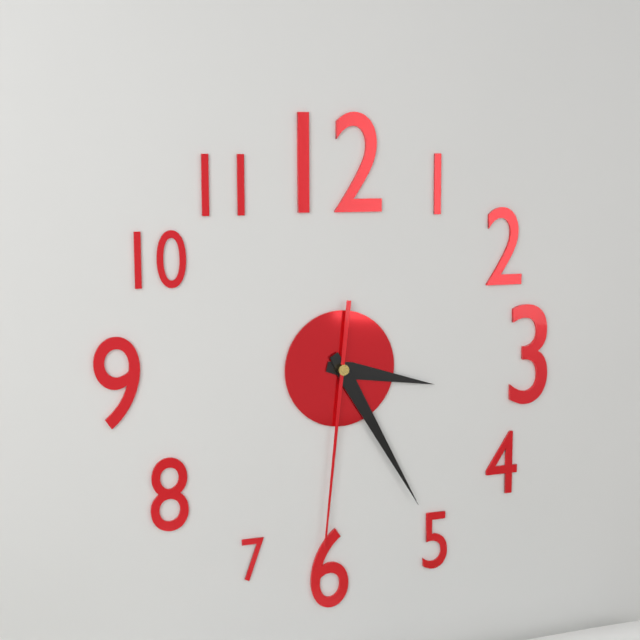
3:25:31
